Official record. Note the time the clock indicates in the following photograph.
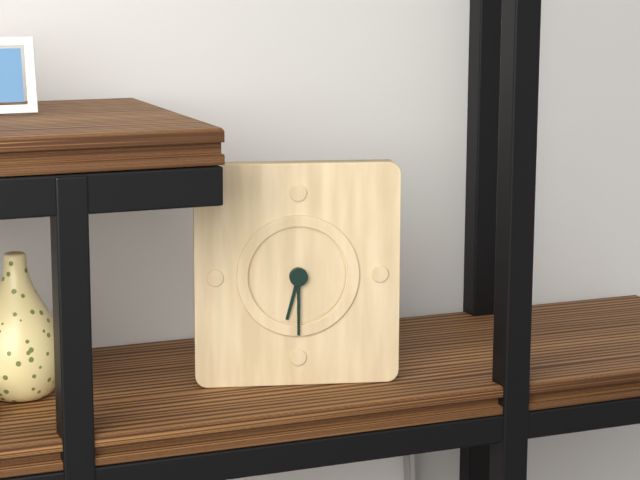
6:30
